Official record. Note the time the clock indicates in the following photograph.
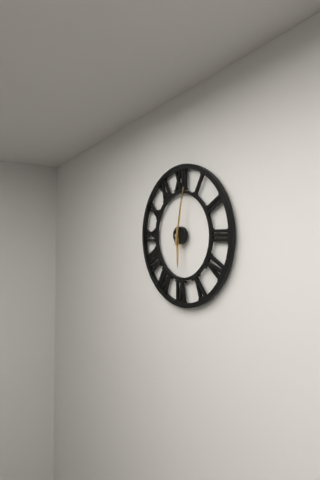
6:02
